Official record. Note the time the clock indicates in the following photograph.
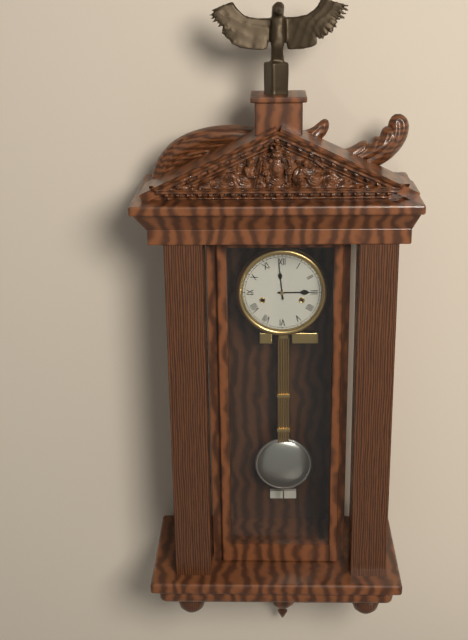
2:59
